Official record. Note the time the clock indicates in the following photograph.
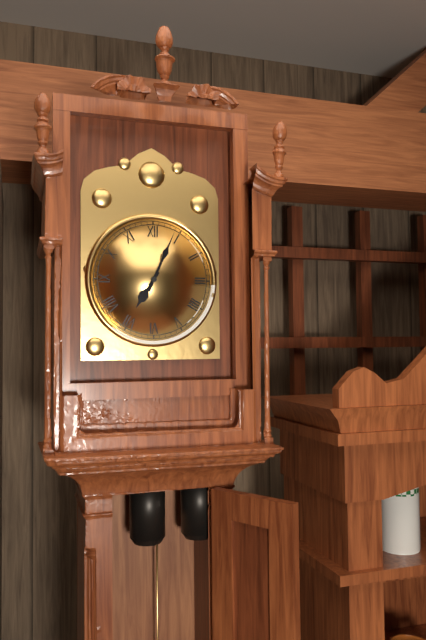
7:04
